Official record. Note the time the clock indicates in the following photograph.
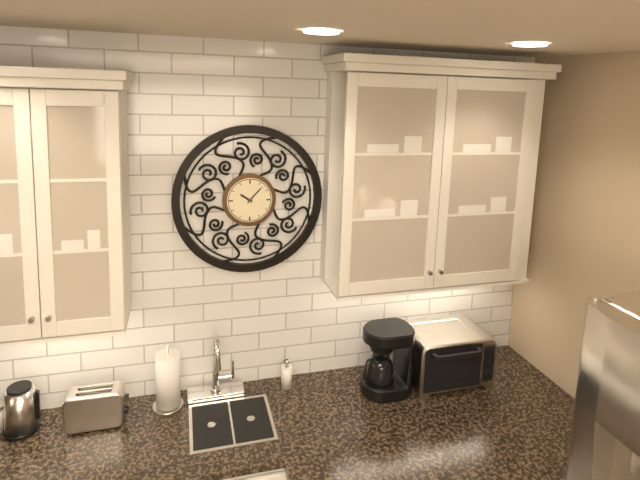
10:07
